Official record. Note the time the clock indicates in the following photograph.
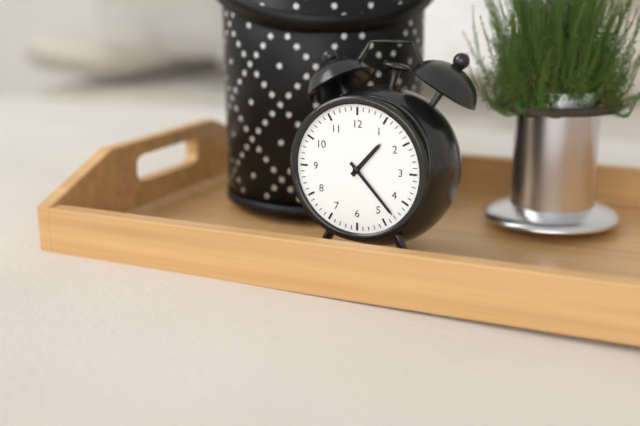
1:23
